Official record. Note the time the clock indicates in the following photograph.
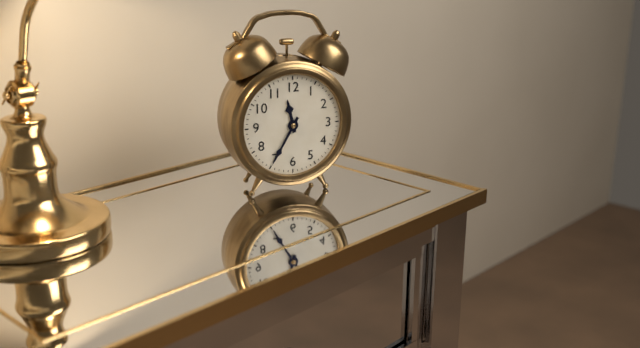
11:35
